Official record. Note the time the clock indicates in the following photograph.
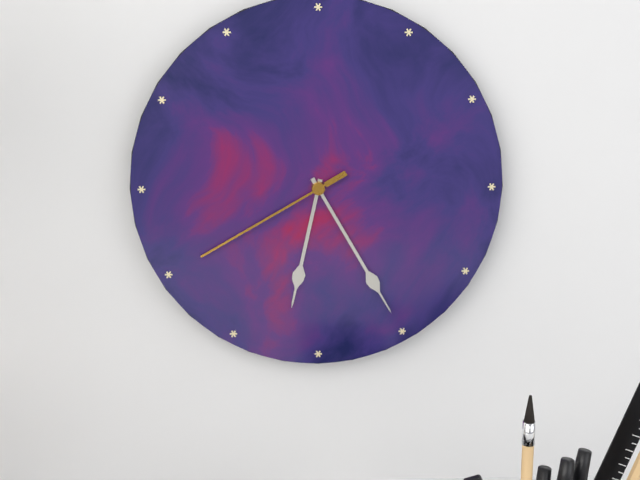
6:25:40
